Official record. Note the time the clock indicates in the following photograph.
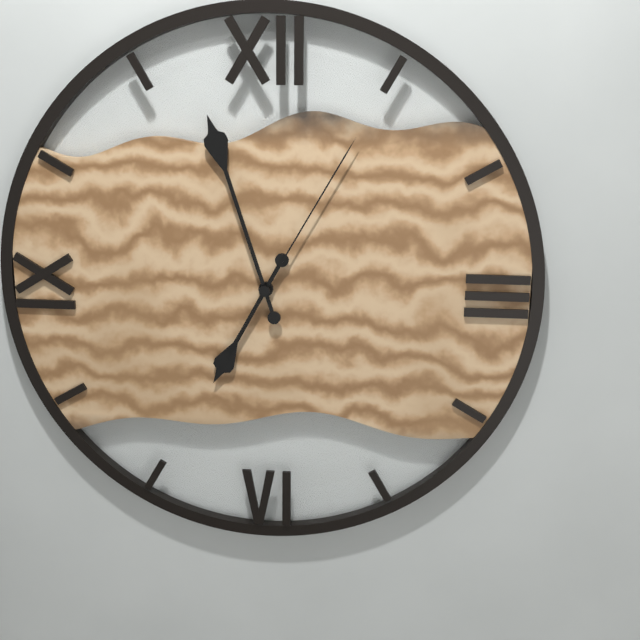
6:57:05
